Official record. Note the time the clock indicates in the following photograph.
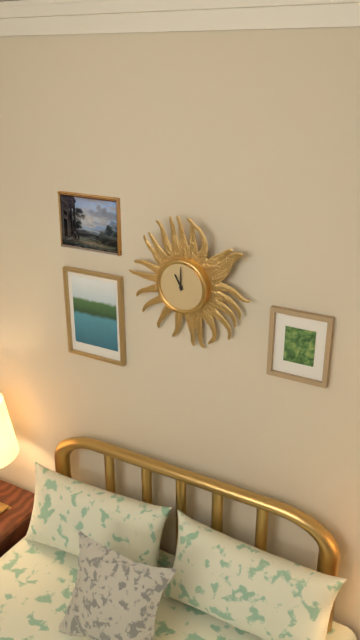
11:00
